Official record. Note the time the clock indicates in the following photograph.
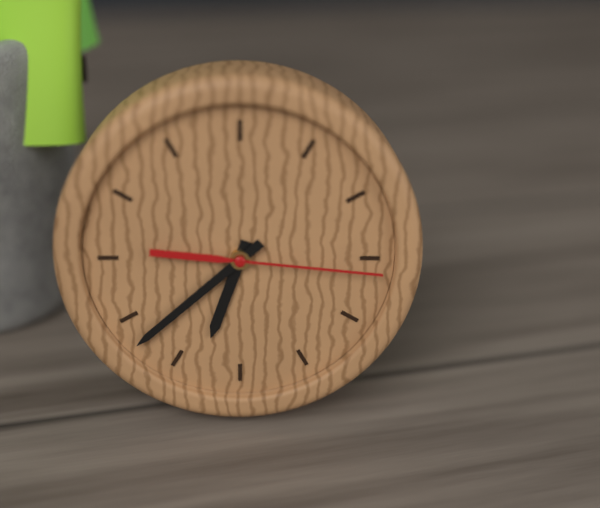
6:38:16
